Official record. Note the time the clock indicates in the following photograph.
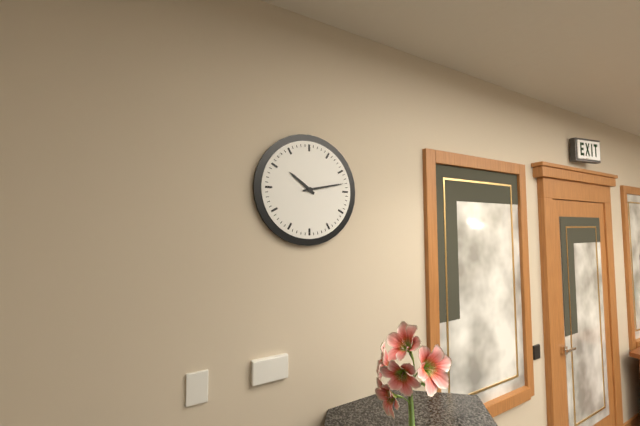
10:13
